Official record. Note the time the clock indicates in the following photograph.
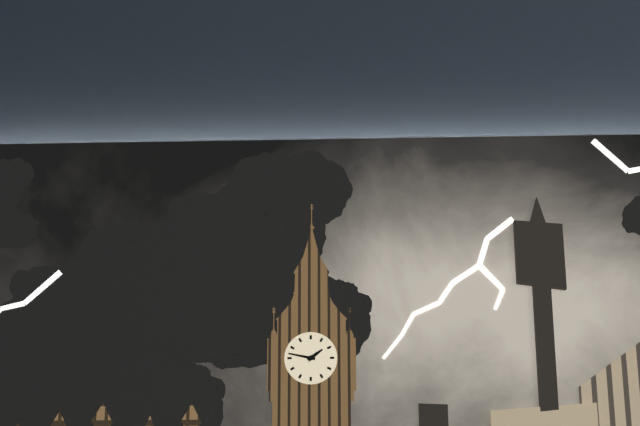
1:47
